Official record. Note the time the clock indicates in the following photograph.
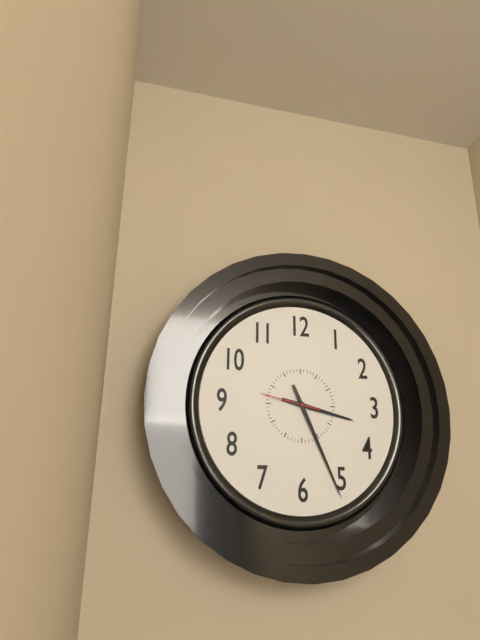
3:26:47
